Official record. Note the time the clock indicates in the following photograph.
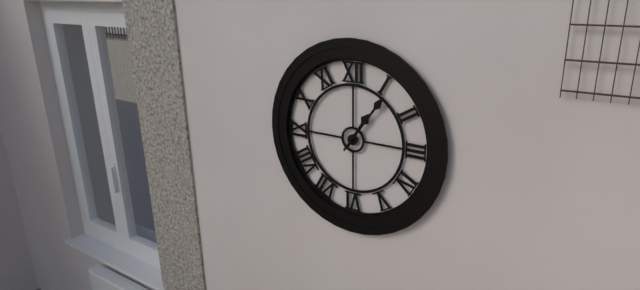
1:06
